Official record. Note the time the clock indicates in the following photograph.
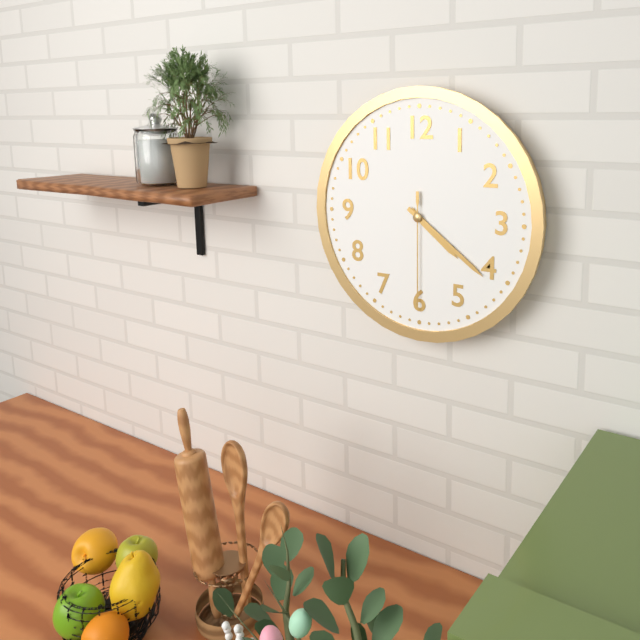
4:21:30
